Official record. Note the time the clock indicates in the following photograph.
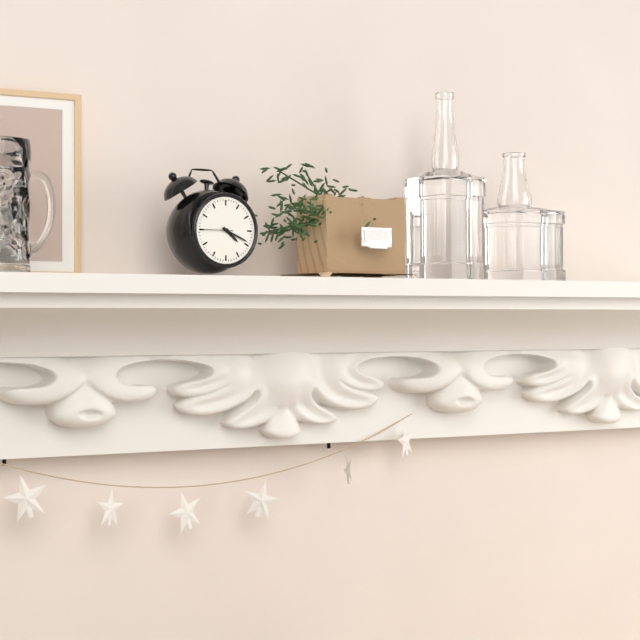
4:19
